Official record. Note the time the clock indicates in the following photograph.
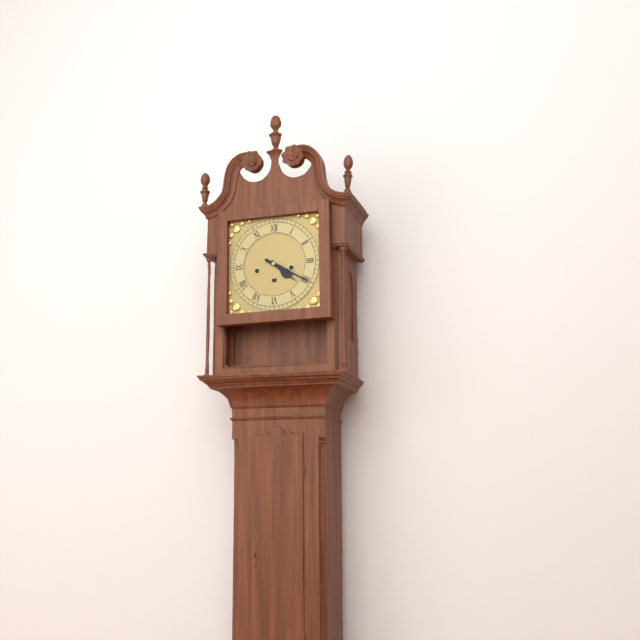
4:20
